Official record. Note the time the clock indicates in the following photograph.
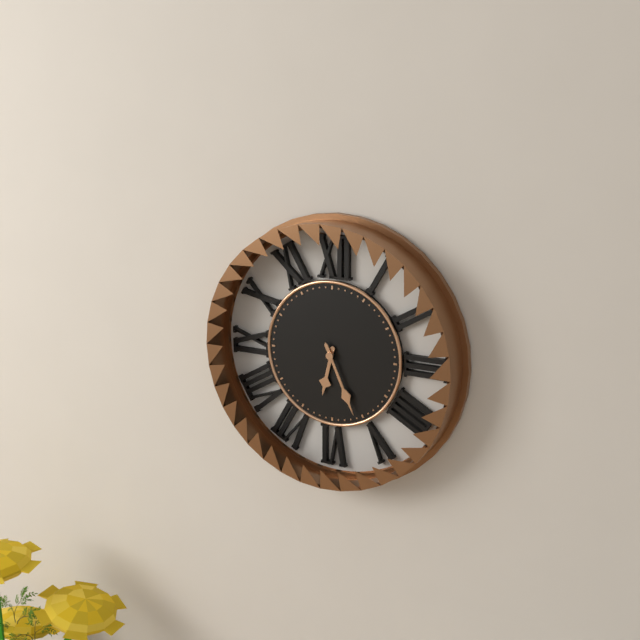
6:26
